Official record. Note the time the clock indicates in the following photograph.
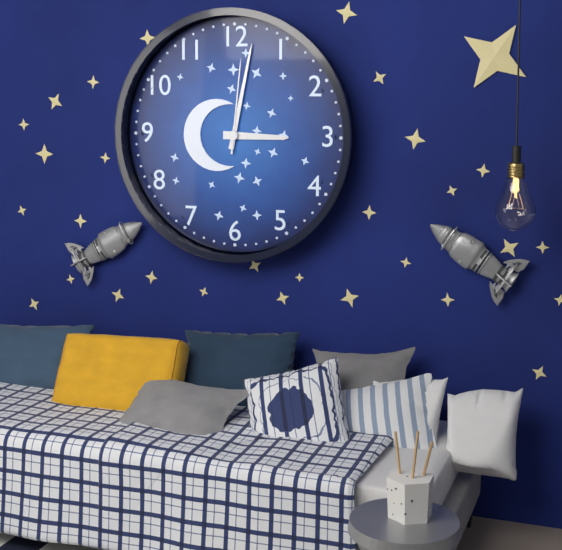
3:02:01
